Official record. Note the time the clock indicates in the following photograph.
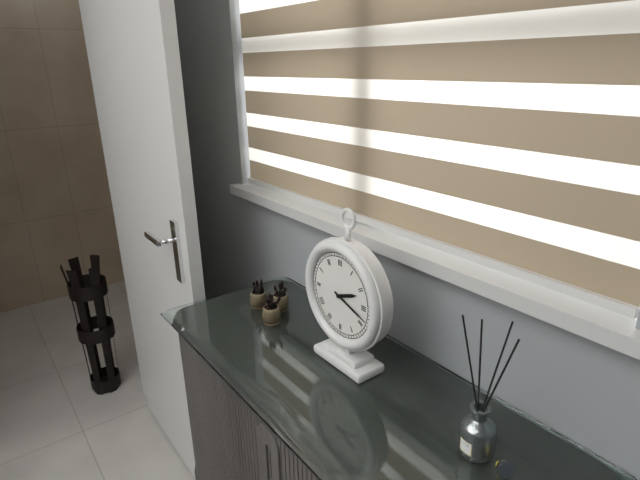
2:18
